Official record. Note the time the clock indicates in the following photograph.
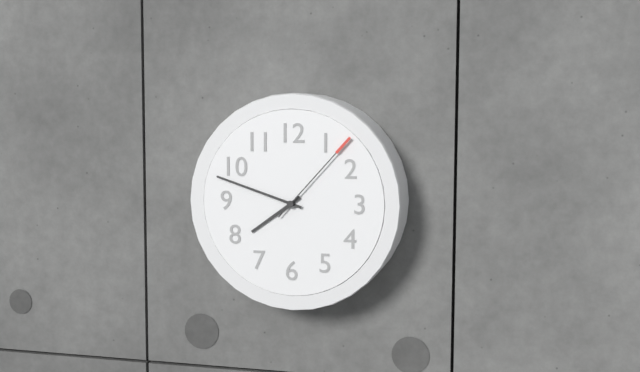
7:48:07
